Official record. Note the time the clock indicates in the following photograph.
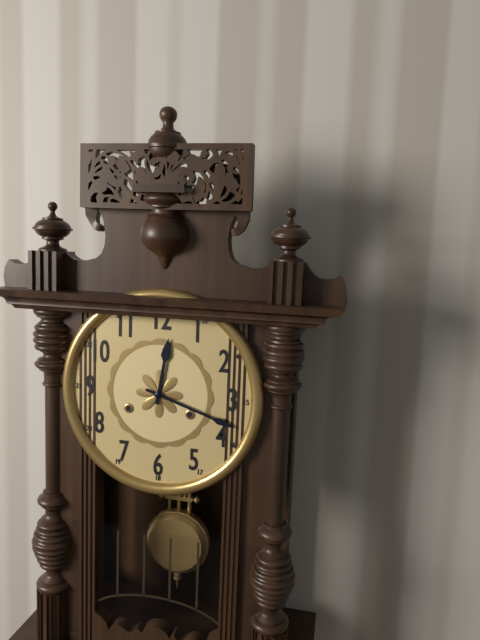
12:18
